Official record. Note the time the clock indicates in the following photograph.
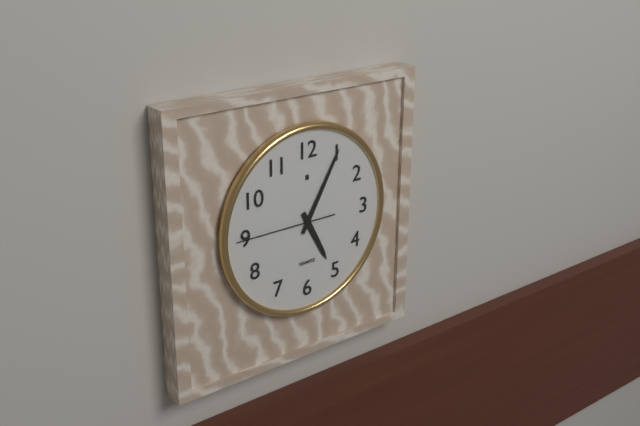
5:05:45
